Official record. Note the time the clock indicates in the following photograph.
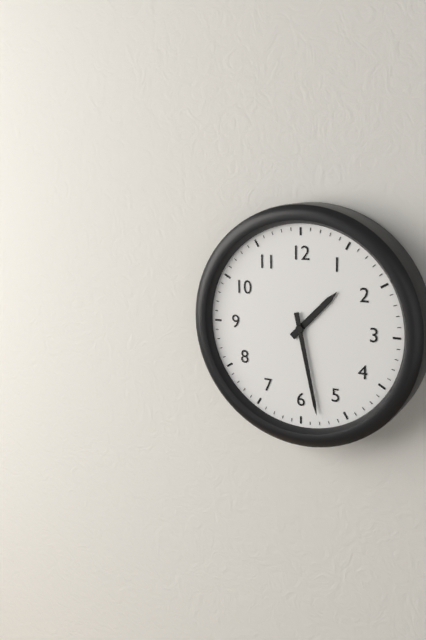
1:28
